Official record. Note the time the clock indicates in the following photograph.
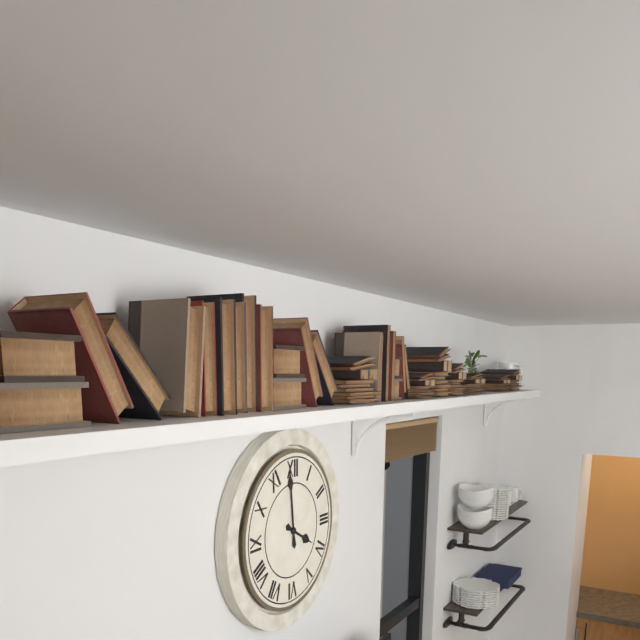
3:59
